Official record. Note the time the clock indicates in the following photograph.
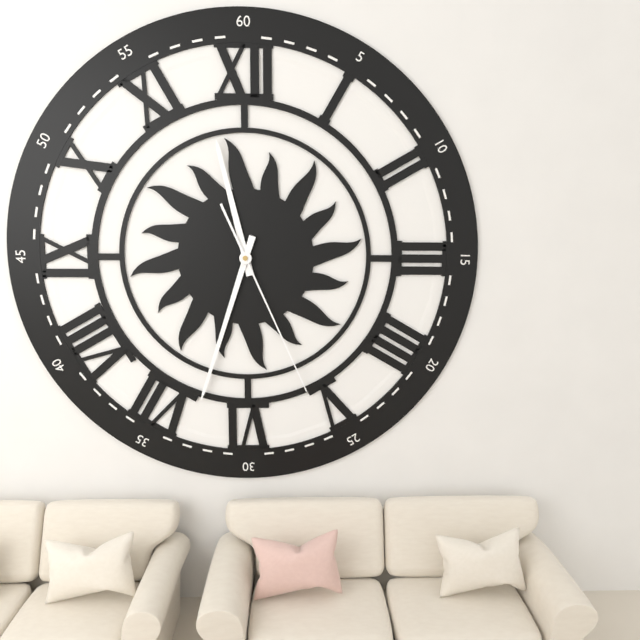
11:33:26
